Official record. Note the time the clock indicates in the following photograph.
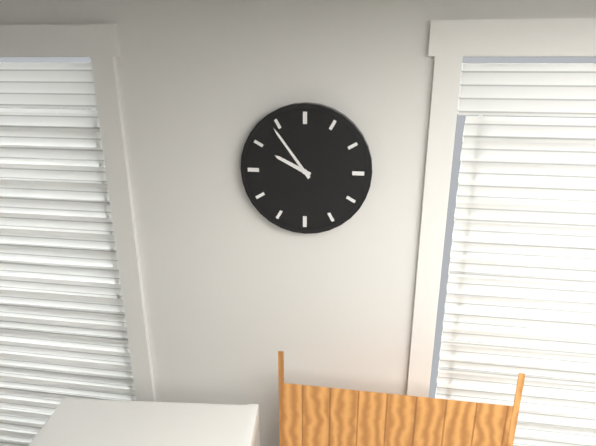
9:54
